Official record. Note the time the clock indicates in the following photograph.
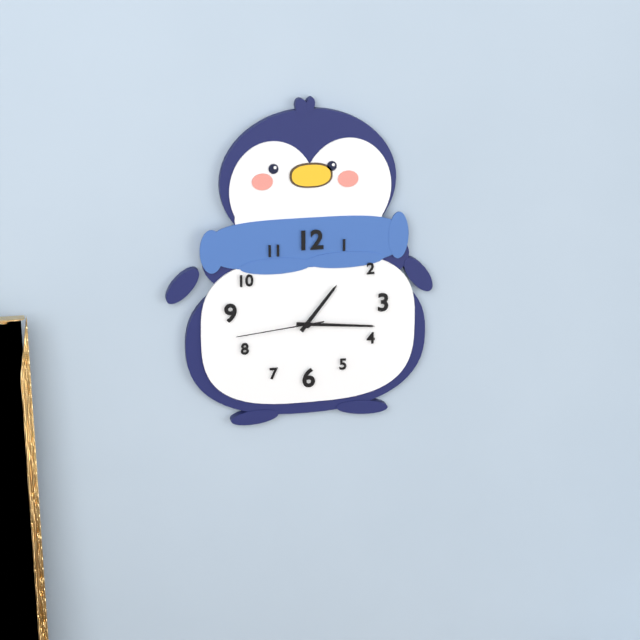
1:16:44
